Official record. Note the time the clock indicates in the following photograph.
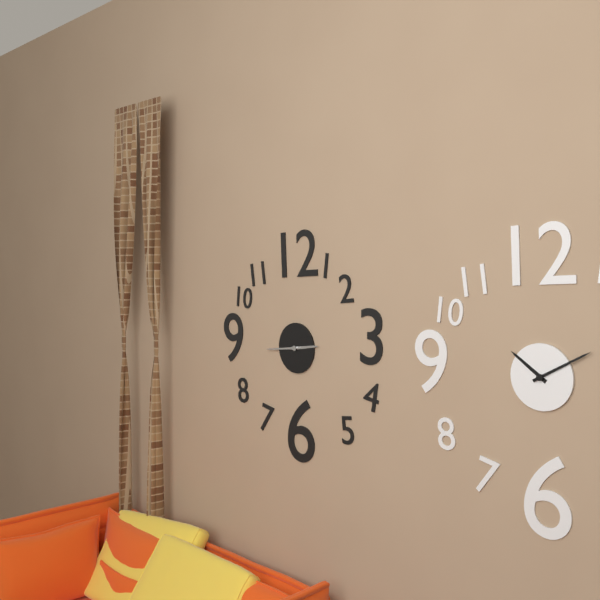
2:44
